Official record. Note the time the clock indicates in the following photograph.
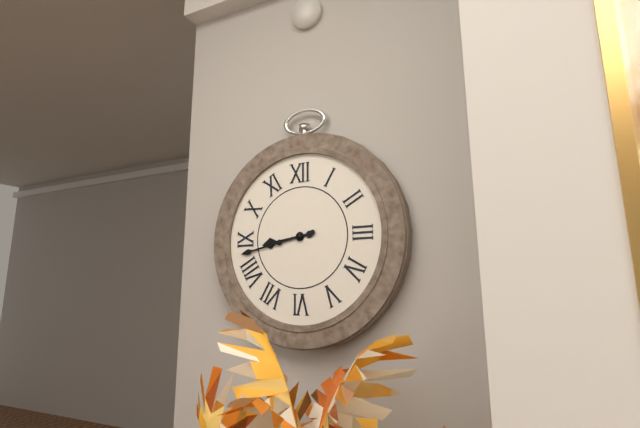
8:43
